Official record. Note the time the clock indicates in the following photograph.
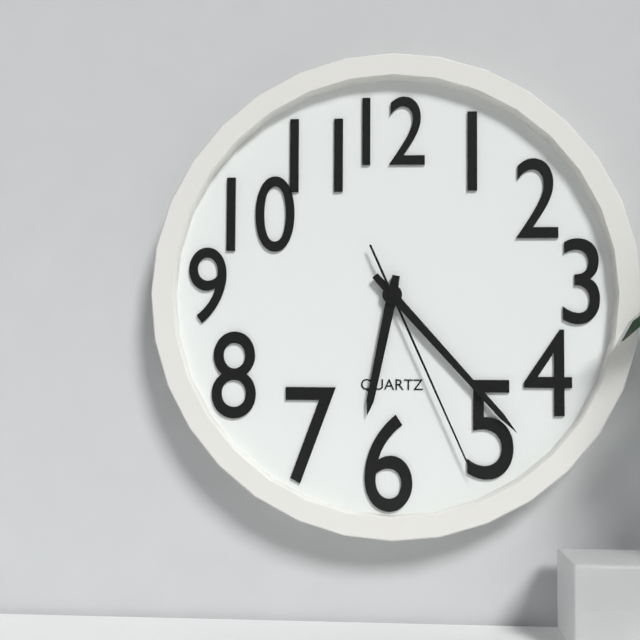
6:23:26
